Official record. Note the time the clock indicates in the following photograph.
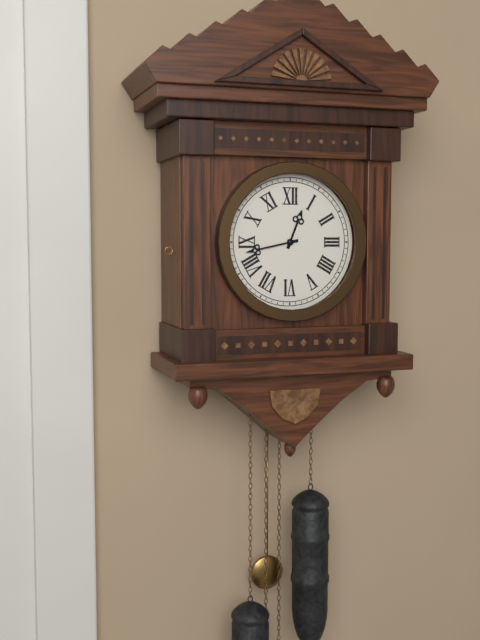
12:43
